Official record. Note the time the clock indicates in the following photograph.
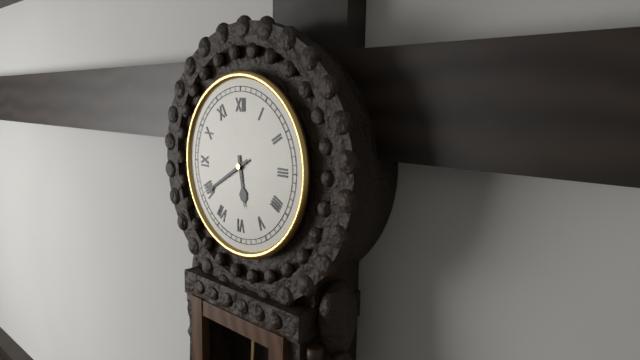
5:40
